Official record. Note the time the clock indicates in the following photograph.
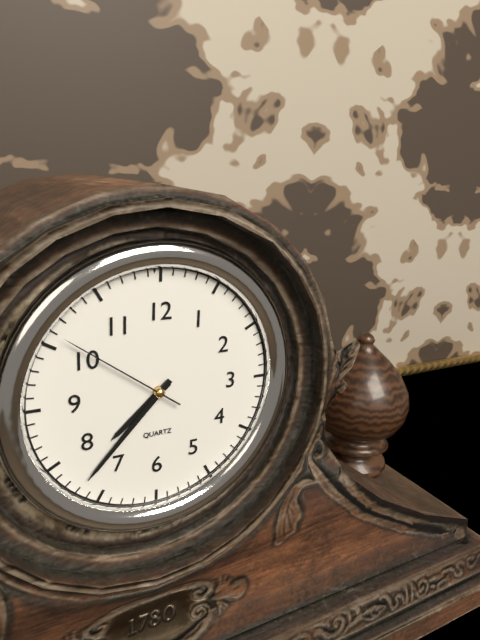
7:37:51
